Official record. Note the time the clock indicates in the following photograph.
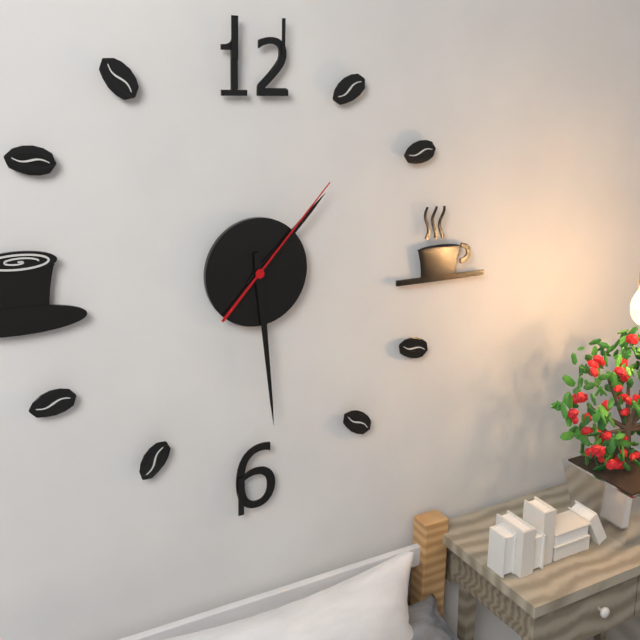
1:29:07
